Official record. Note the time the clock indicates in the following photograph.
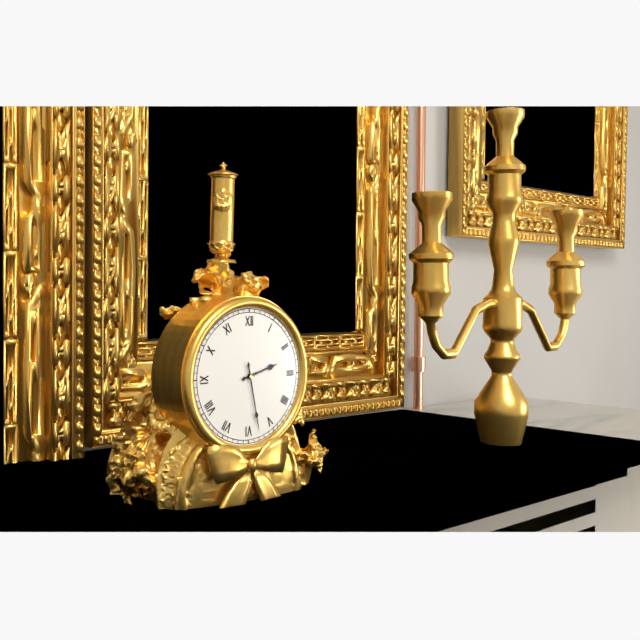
2:28
